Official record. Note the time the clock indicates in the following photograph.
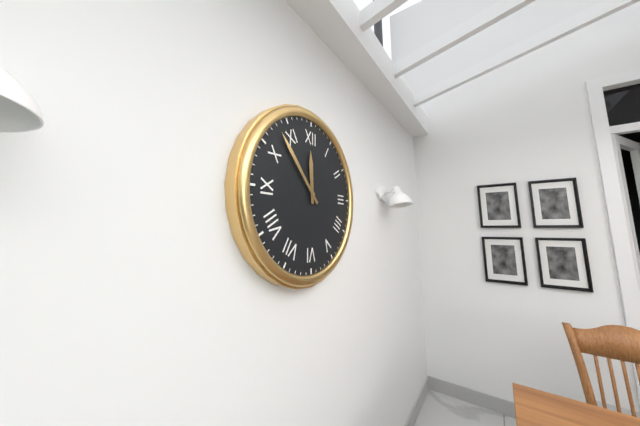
11:53
